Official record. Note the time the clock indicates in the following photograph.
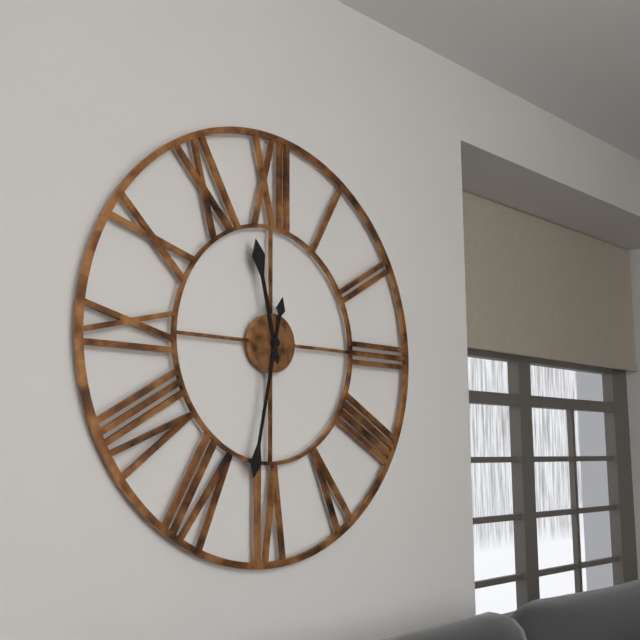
11:32
